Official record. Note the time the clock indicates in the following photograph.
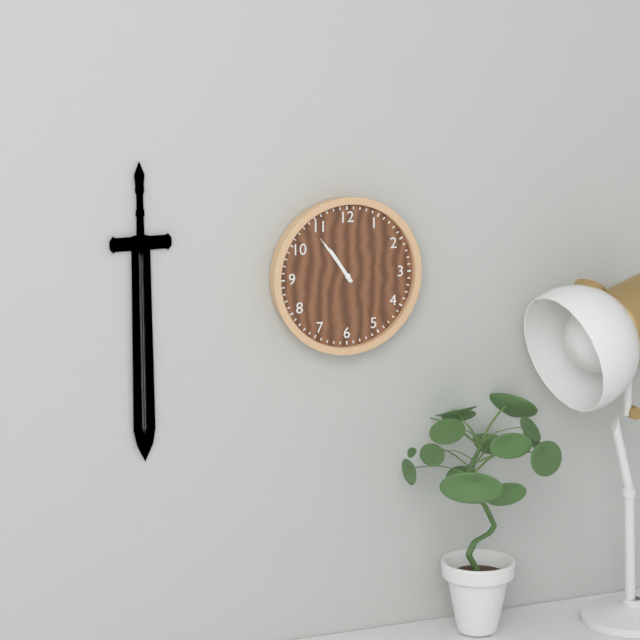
10:54
